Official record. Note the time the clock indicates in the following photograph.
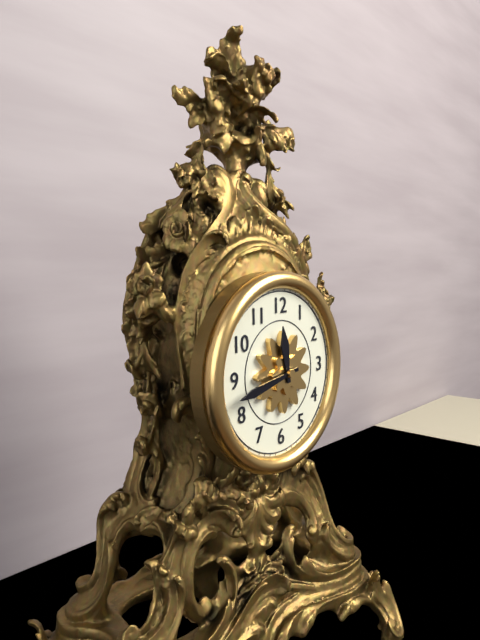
11:43
